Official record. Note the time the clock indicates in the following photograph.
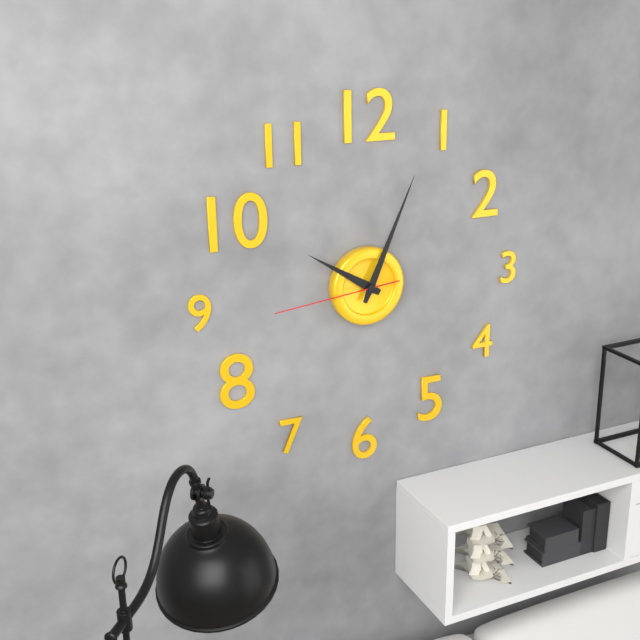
10:04:44
